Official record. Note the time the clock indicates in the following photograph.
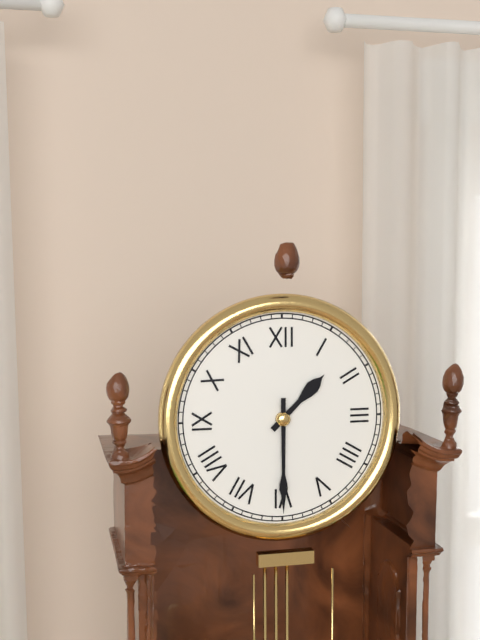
1:30
